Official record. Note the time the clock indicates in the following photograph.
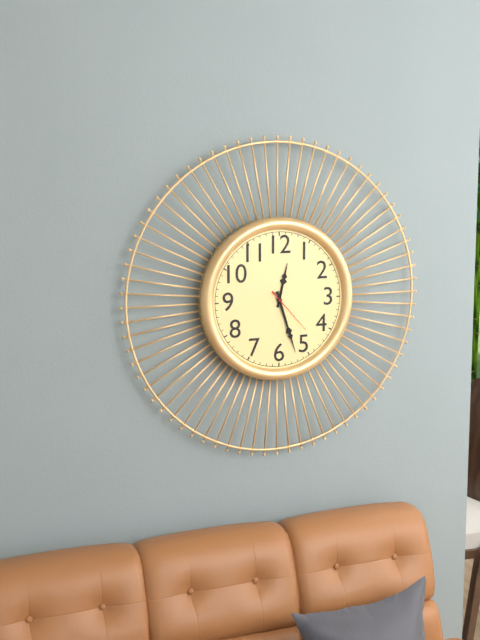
12:27:23
